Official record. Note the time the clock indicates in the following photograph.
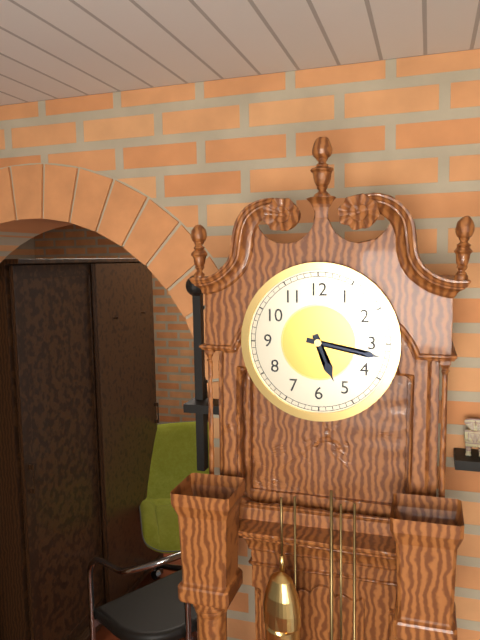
5:17
